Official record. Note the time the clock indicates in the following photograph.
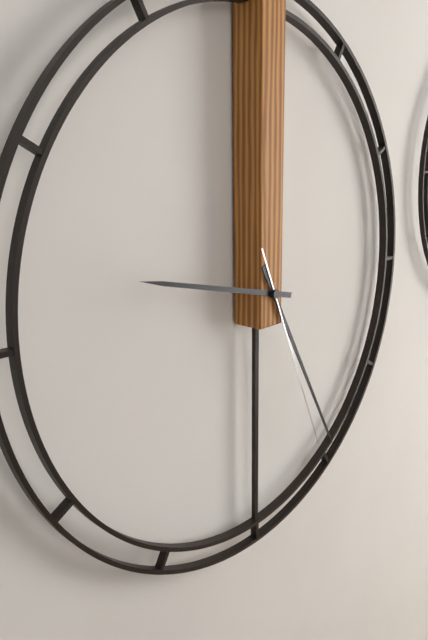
9:25:26
